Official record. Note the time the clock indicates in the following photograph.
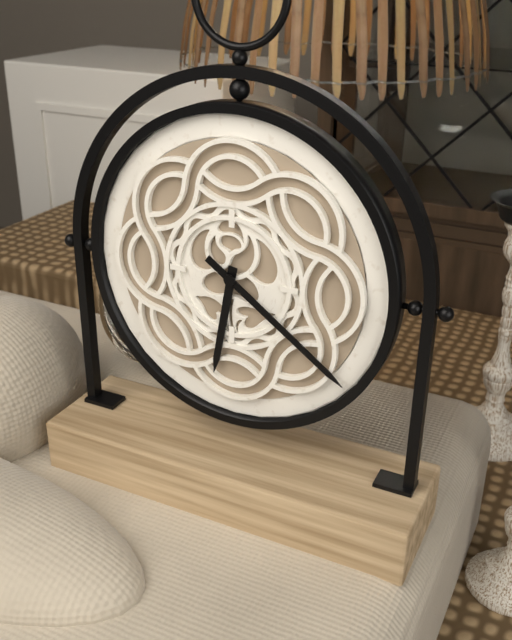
6:21
